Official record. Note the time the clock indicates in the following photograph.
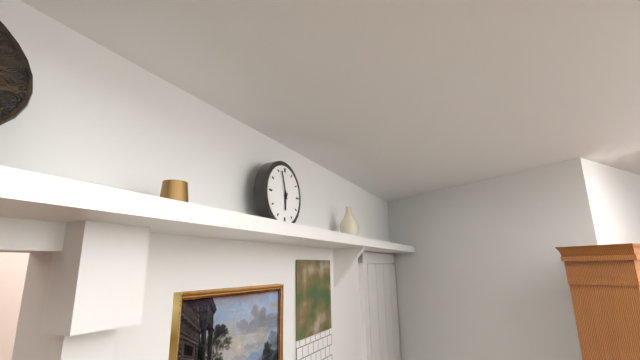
5:57
